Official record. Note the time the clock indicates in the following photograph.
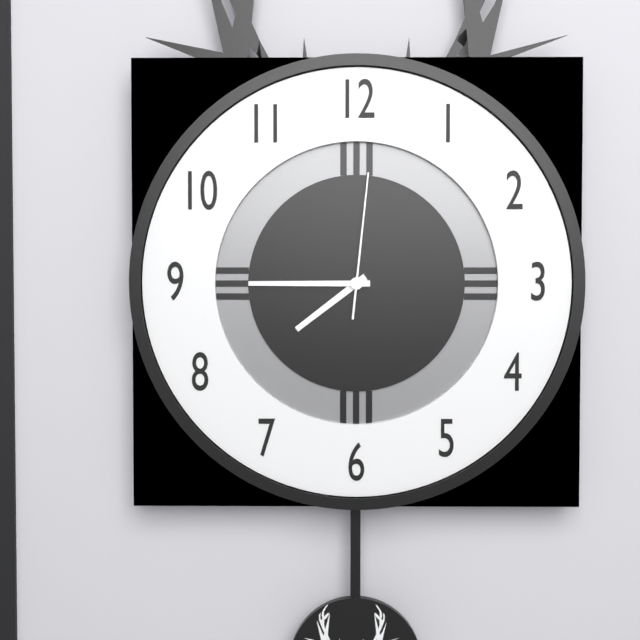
7:45:01
